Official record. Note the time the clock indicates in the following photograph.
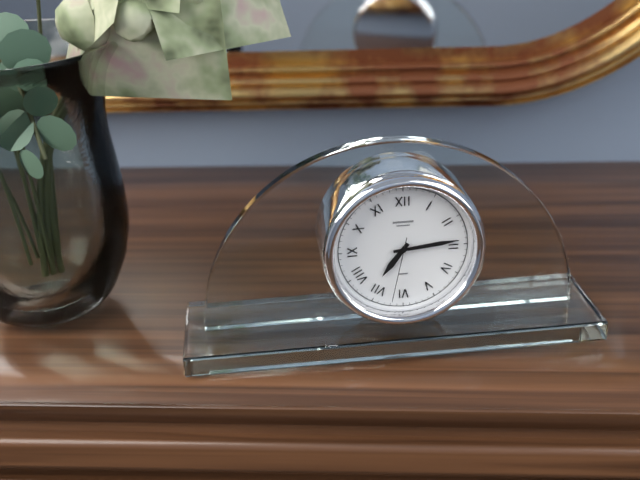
7:14:32
